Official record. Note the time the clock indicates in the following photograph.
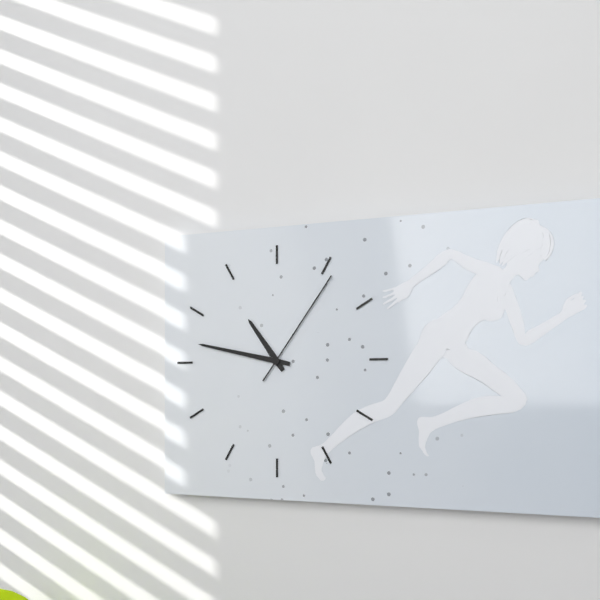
10:47:06
